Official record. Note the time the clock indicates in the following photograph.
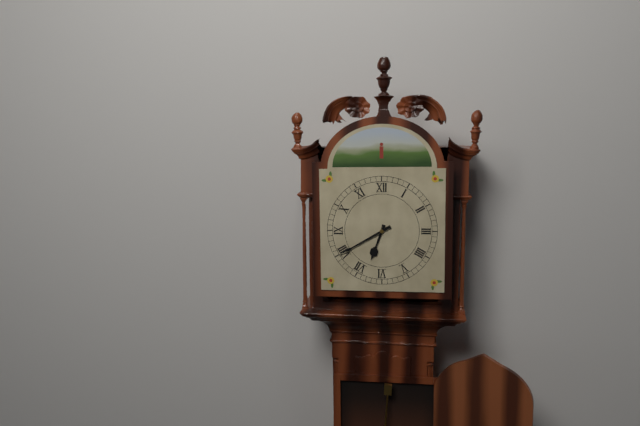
6:40
